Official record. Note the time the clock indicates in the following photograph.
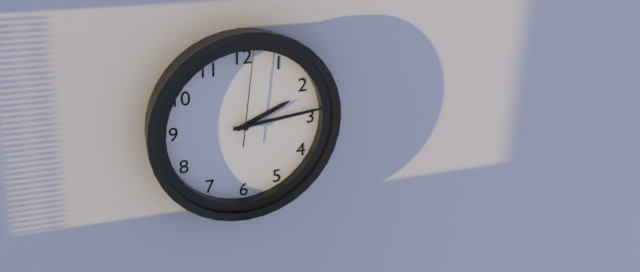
2:14:01
